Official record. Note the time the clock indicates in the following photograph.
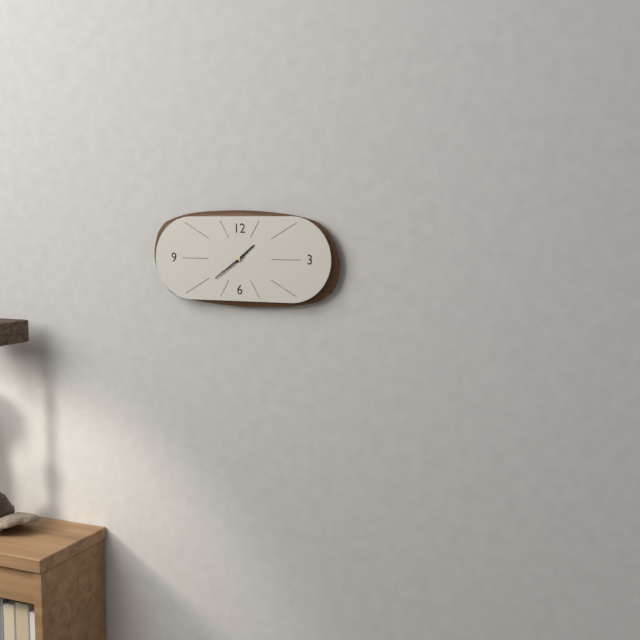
1:39
